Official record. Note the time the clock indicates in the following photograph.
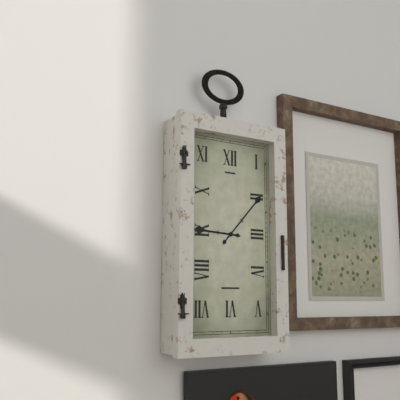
9:07
